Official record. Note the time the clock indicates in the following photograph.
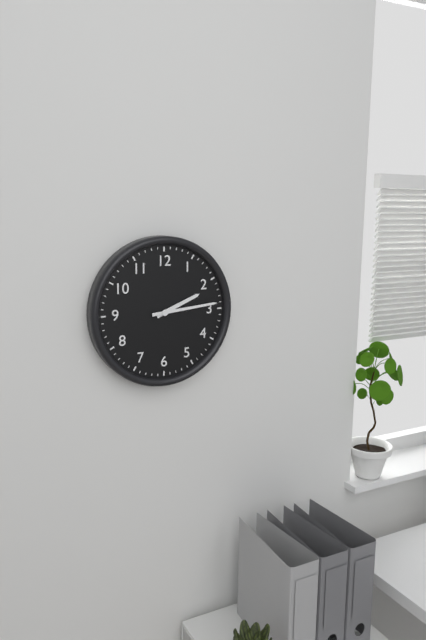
2:14
